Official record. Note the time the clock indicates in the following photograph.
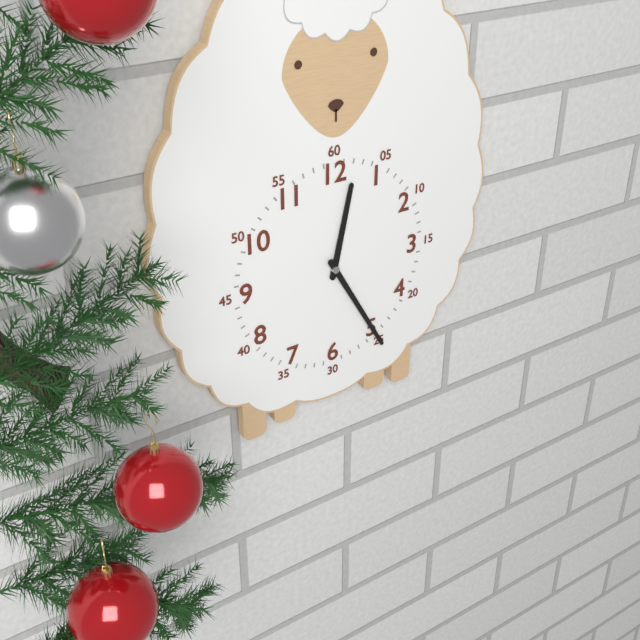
12:25
